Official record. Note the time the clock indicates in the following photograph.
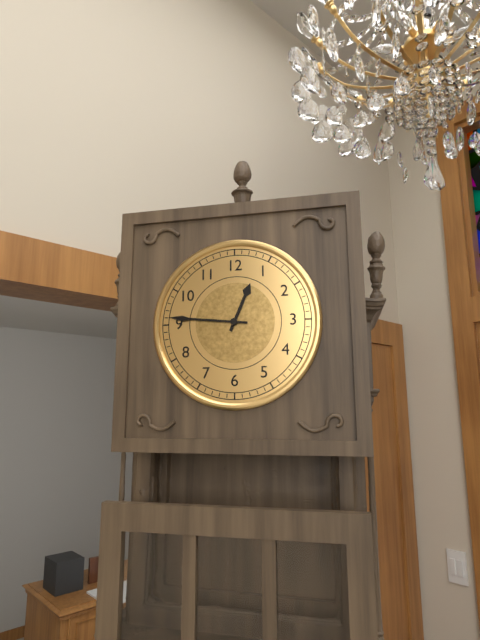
12:46
